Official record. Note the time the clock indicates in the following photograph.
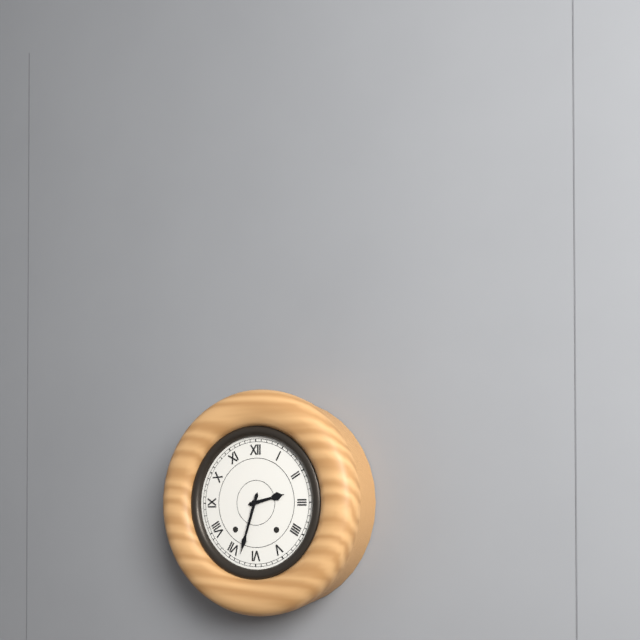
2:33
